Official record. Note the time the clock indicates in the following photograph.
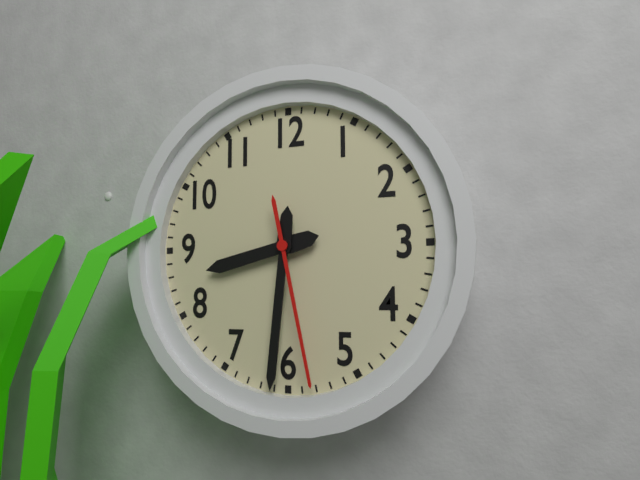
8:31:28
